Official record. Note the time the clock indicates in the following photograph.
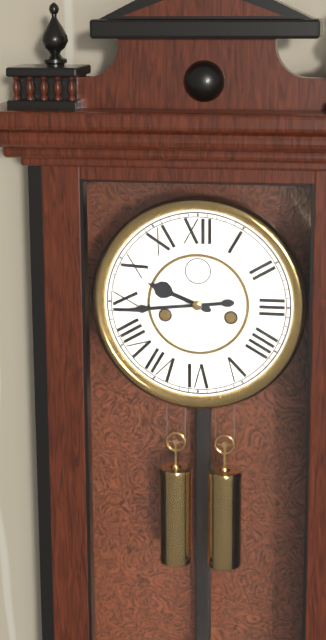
9:44
